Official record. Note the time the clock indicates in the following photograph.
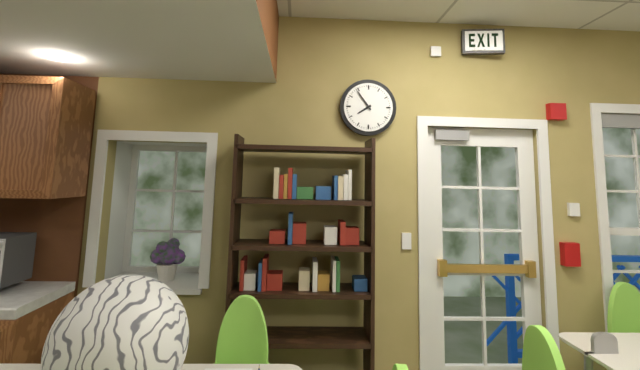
7:54
